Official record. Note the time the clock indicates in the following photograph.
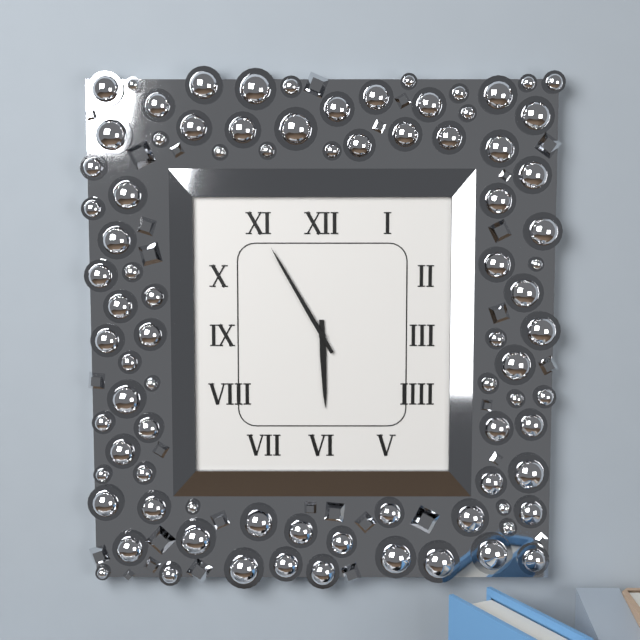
5:55
